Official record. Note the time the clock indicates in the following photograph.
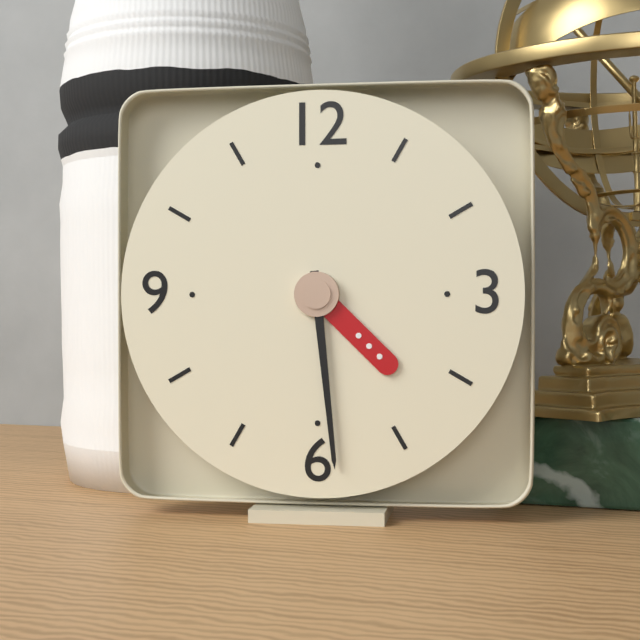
4:29
